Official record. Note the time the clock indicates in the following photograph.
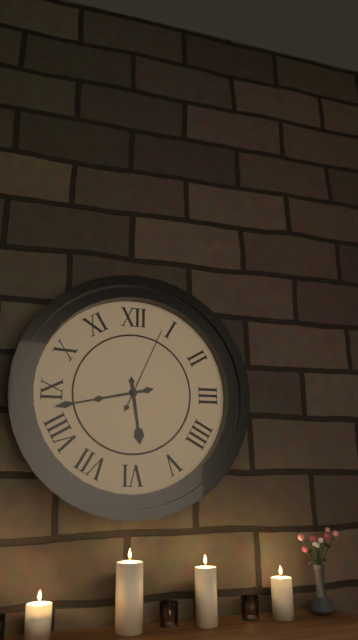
5:43:04
